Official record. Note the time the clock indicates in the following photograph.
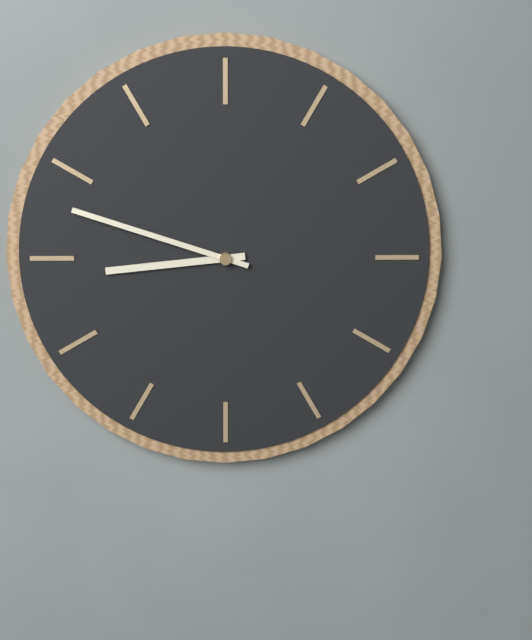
8:48
